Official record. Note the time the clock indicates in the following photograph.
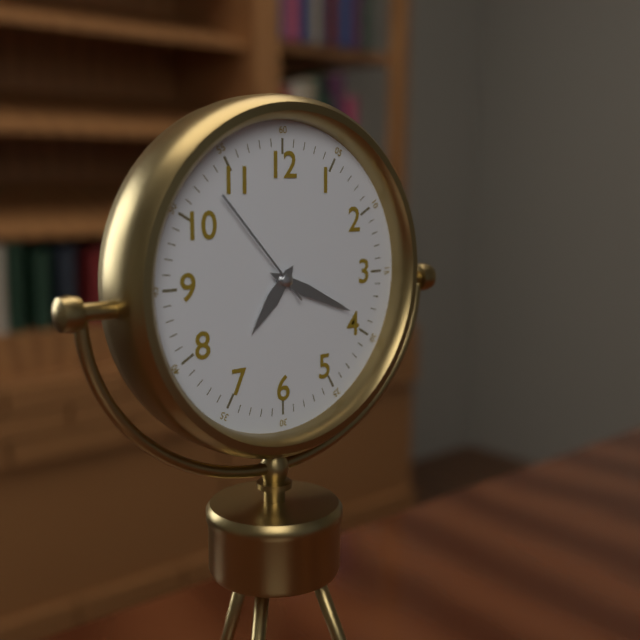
7:19:53
